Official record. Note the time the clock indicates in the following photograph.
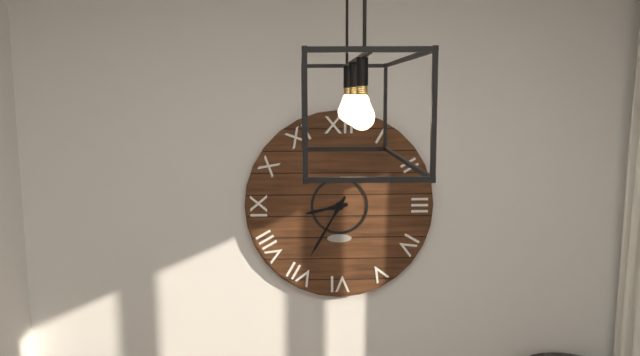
8:35
